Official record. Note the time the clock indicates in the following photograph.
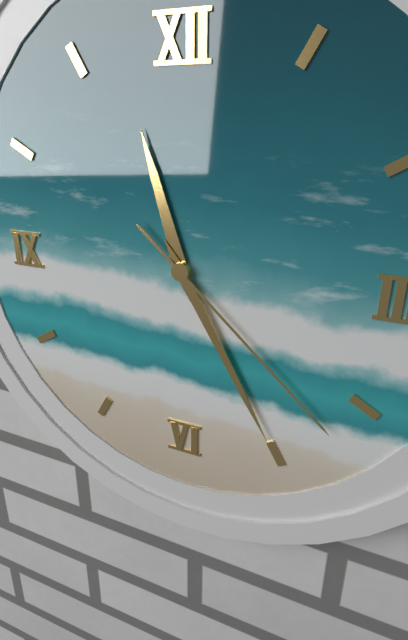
11:25:22
